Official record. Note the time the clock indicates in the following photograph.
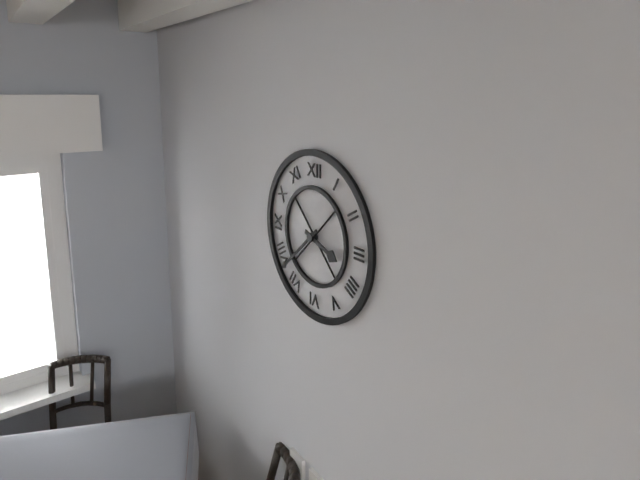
3:38
